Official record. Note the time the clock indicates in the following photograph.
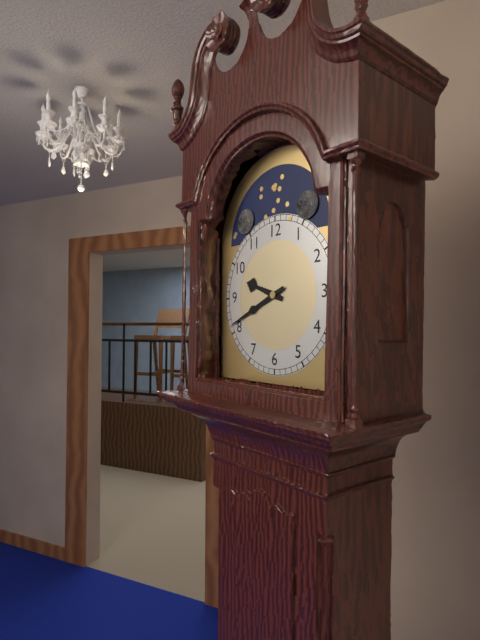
9:41
